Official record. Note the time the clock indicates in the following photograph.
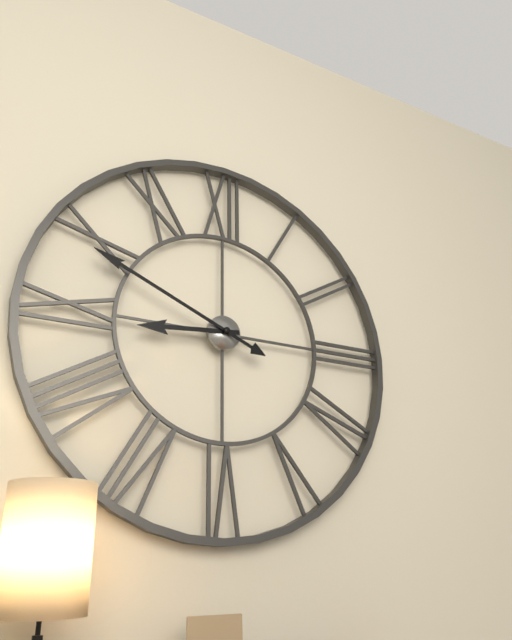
8:49
